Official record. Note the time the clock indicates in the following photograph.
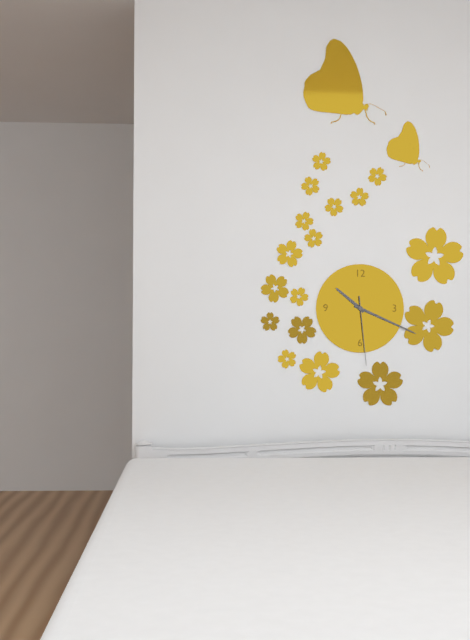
10:19:29
